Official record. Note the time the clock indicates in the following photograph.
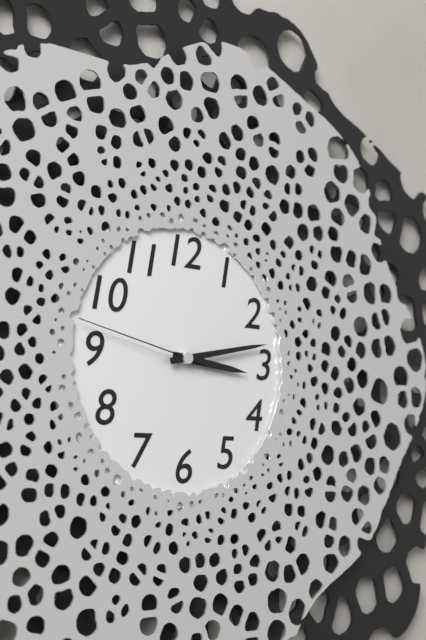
3:13:47
